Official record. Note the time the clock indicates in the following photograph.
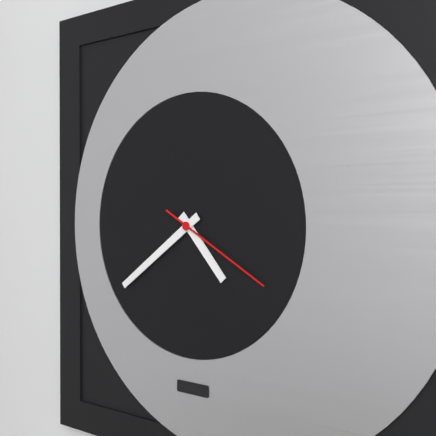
4:39:20
